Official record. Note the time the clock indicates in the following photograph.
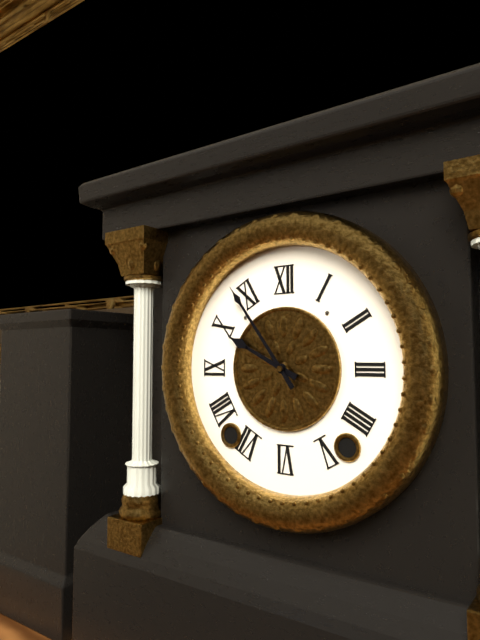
9:54
